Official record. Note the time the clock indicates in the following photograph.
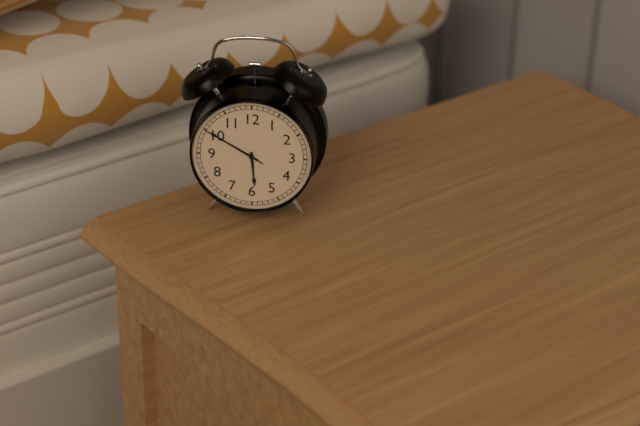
5:50:50
